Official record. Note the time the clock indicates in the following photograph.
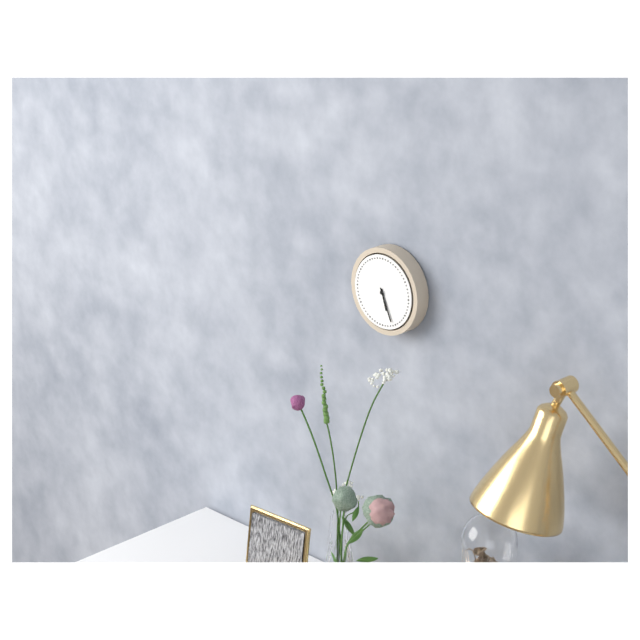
5:26
